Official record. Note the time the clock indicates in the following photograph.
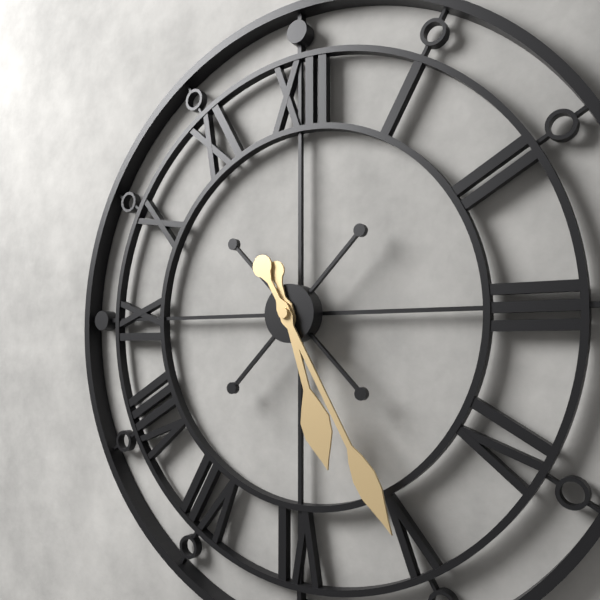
5:25
